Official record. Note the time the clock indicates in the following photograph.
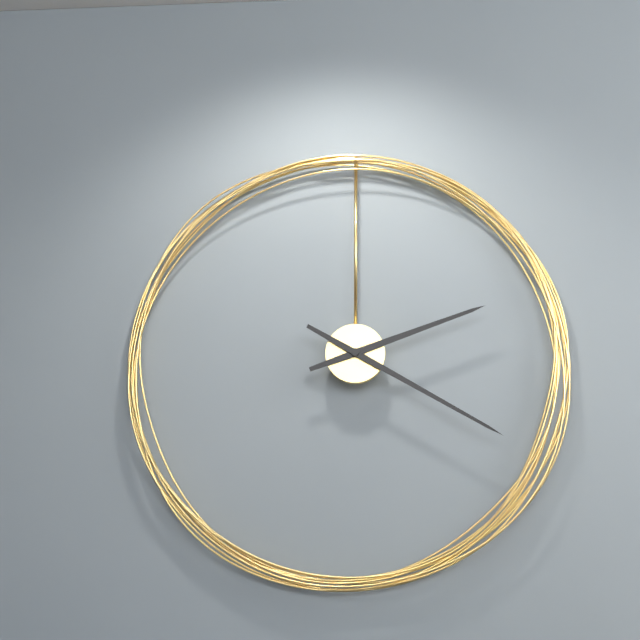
2:20
